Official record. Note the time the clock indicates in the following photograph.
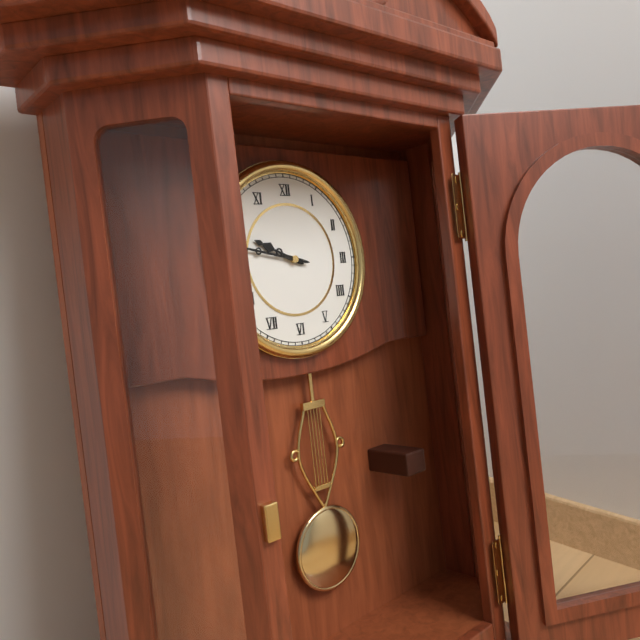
9:47
